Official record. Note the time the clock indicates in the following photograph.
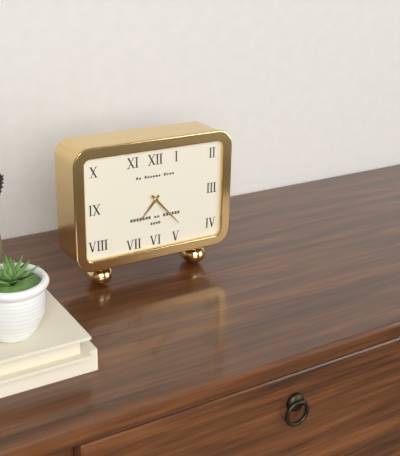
7:23
